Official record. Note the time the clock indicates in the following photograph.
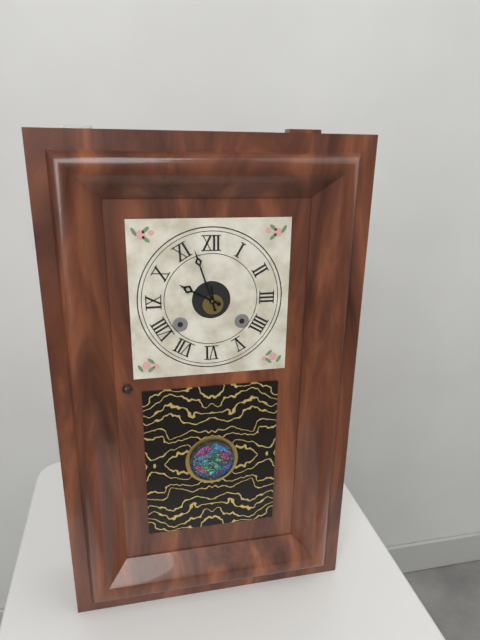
9:57
